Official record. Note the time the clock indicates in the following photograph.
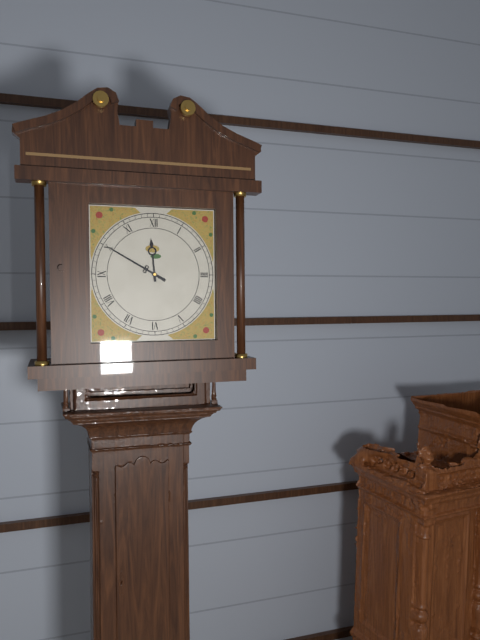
11:50
